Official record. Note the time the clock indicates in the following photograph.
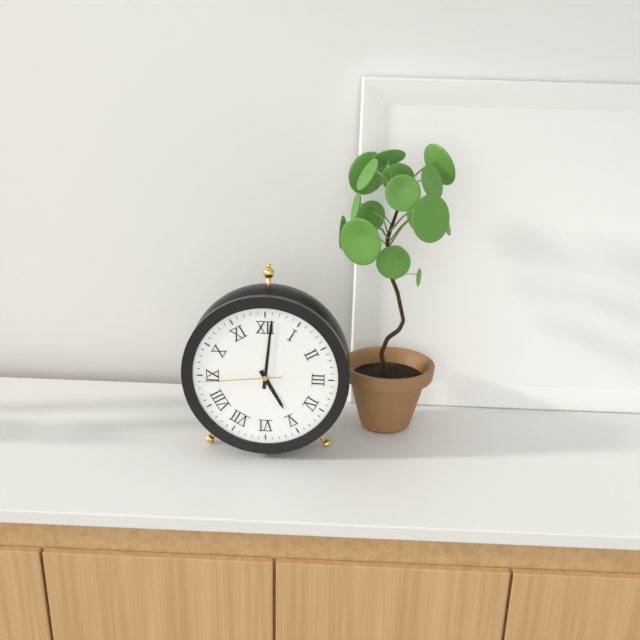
5:01:44
